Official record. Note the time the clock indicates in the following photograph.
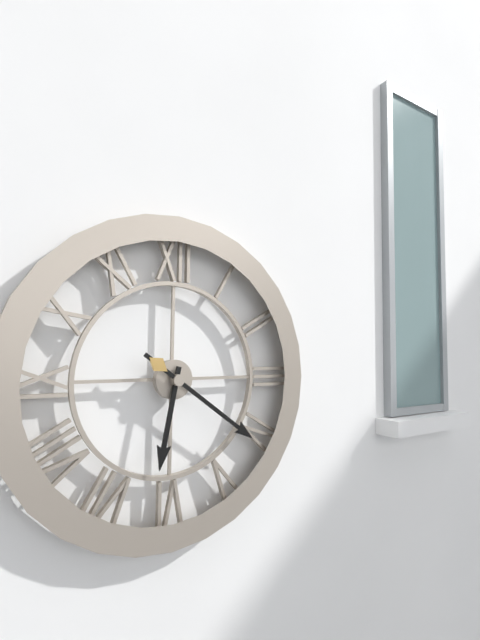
6:21
